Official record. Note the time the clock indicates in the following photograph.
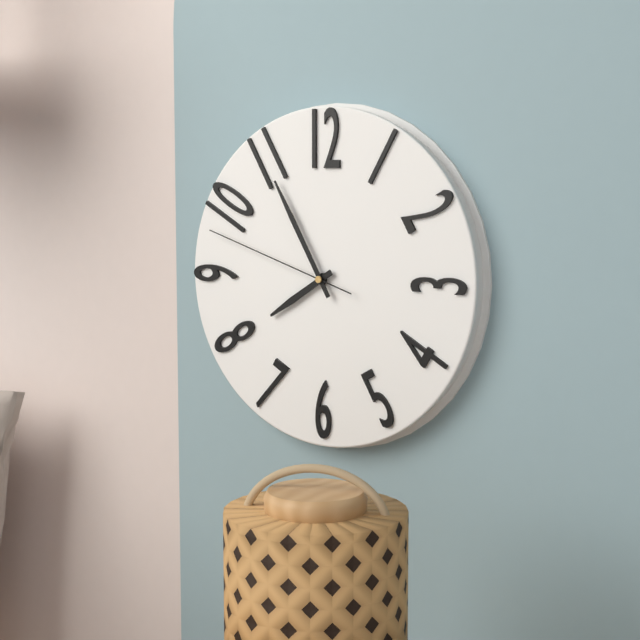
7:55:48
